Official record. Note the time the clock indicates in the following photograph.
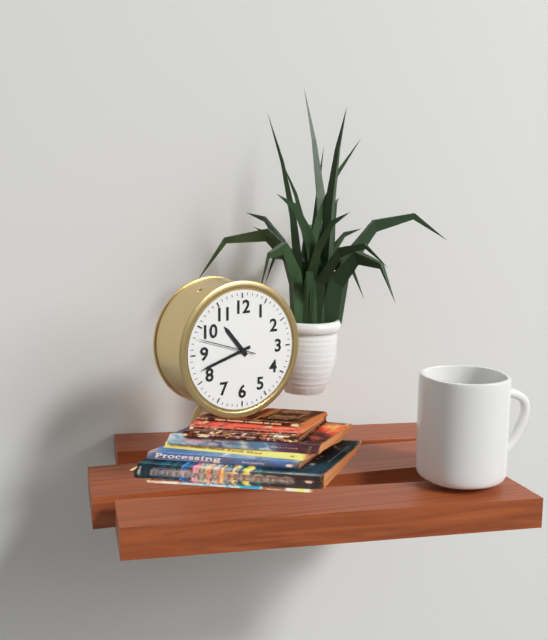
10:42:48
